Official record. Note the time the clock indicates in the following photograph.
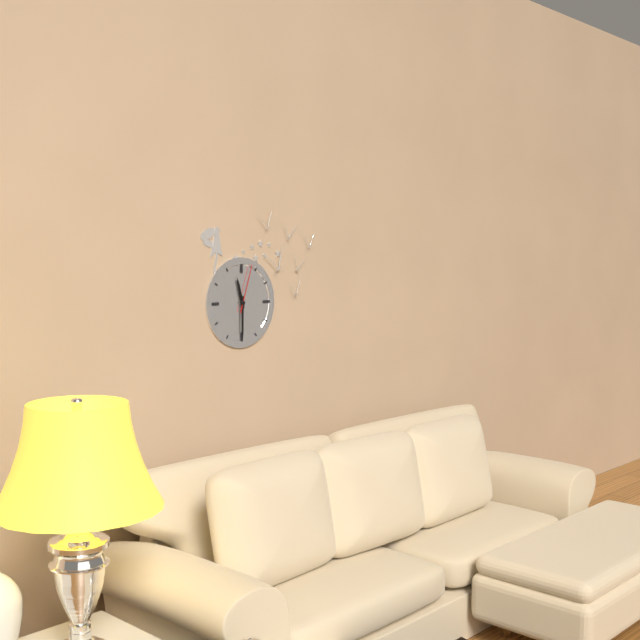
11:30
